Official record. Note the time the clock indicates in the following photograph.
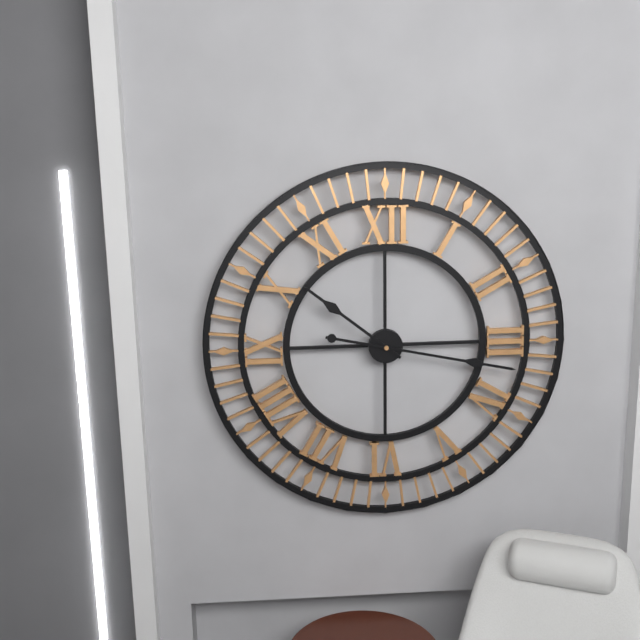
10:17
